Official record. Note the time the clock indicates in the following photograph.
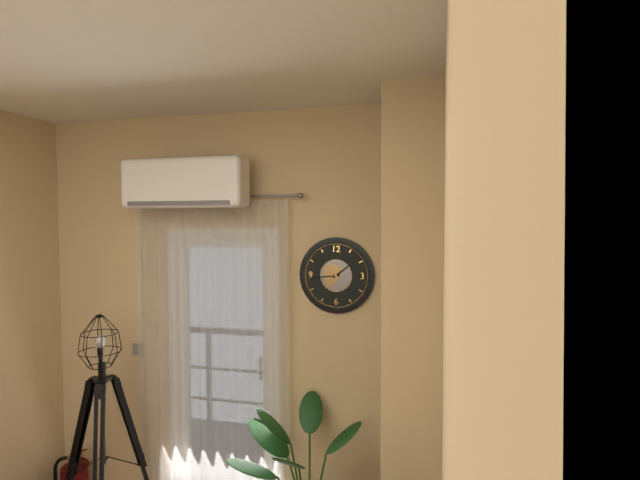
1:44
